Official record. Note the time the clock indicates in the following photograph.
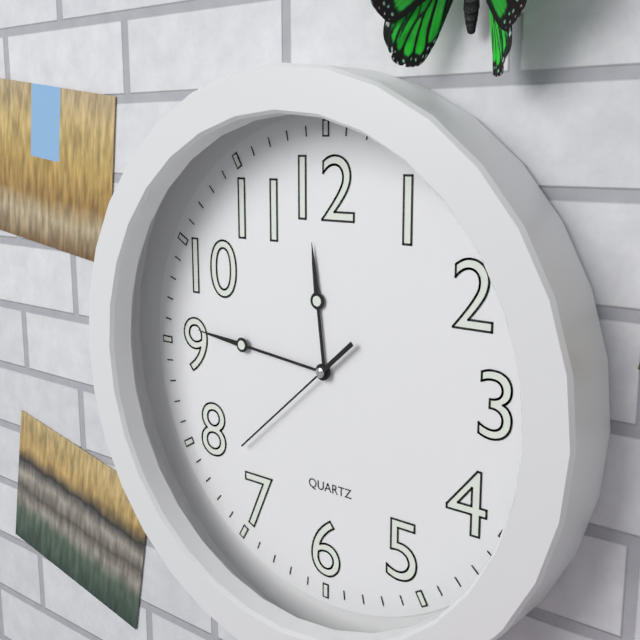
11:46:38
